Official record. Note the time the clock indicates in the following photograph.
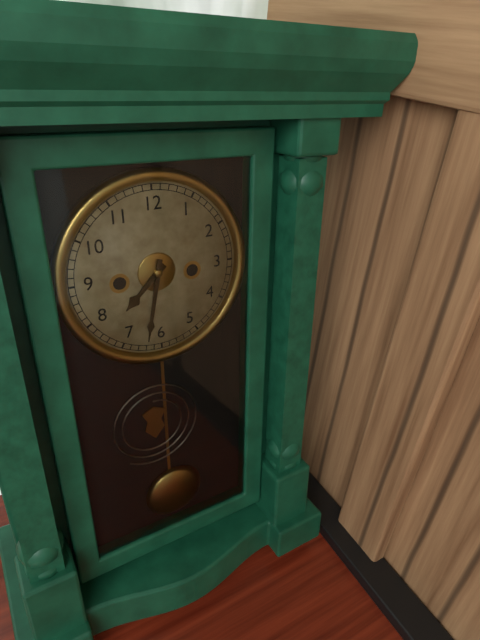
7:32
